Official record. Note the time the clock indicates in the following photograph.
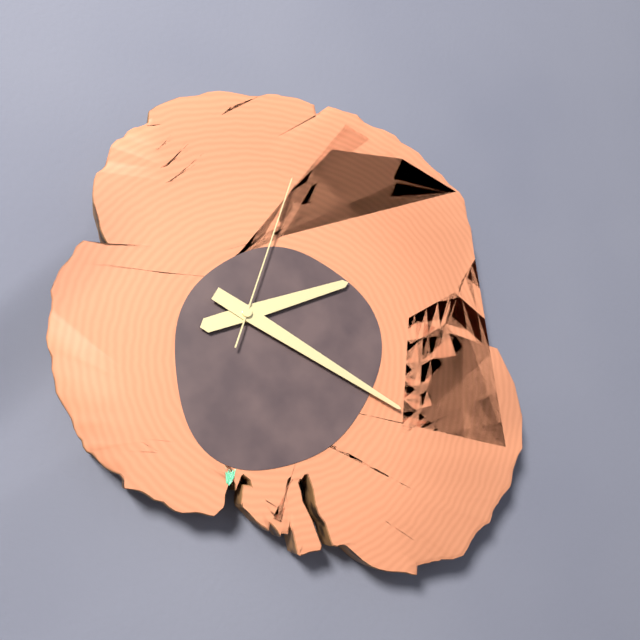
2:20:03
